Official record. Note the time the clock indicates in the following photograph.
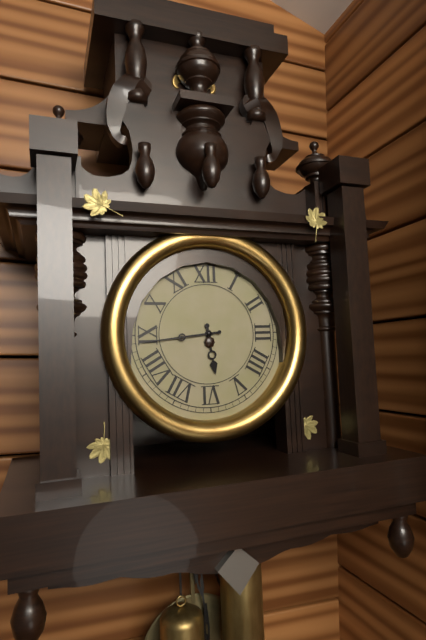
5:44
